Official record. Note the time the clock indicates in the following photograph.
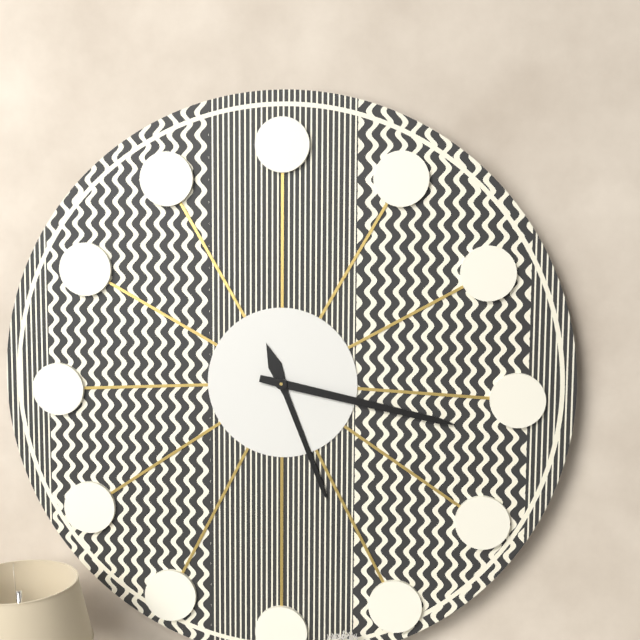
5:17
